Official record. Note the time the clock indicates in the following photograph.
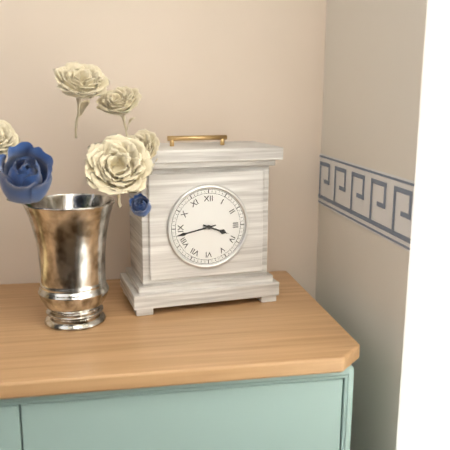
3:43
